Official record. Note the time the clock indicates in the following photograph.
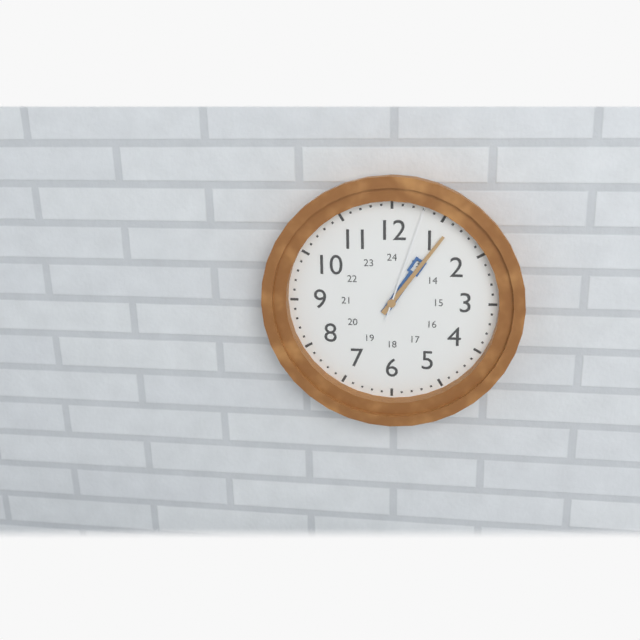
1:06:03
